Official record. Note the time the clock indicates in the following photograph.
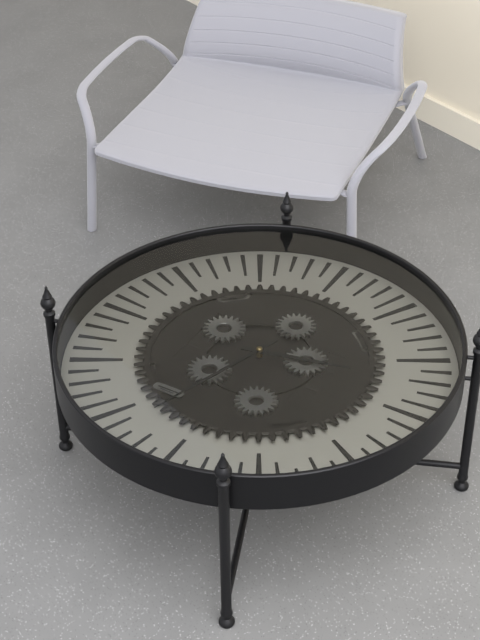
2:33
